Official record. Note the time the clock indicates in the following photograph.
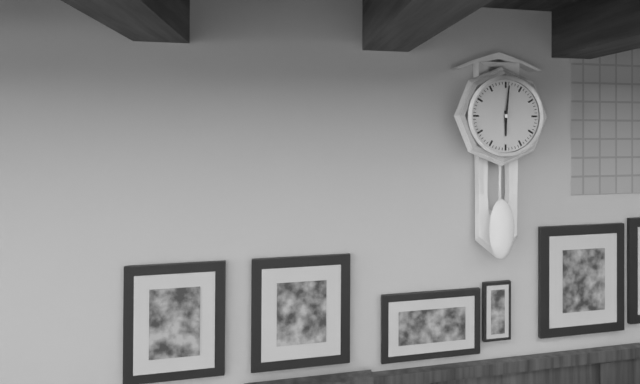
6:01
